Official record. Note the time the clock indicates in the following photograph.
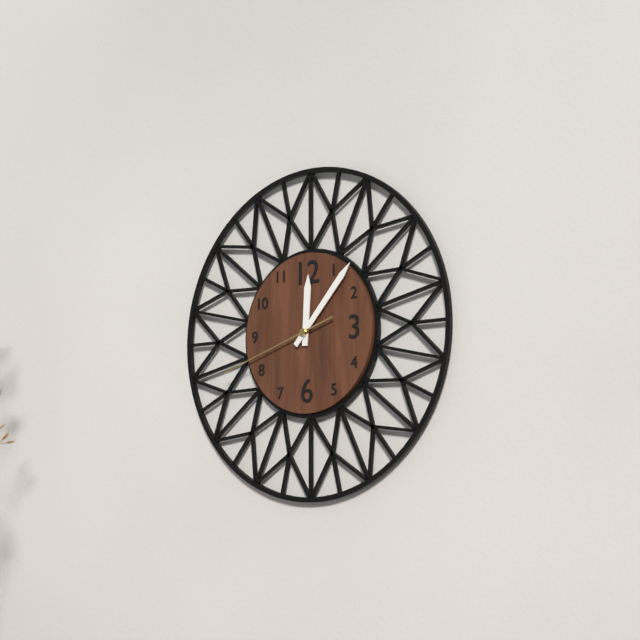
12:07:42
